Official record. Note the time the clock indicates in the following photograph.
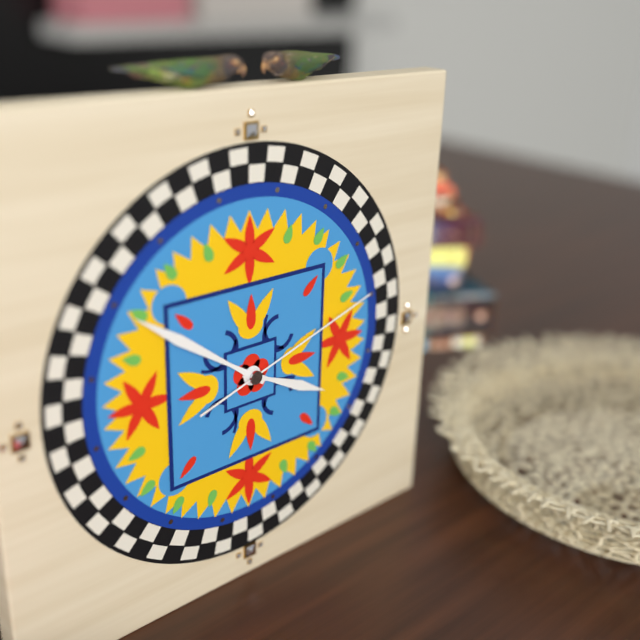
3:51:12
